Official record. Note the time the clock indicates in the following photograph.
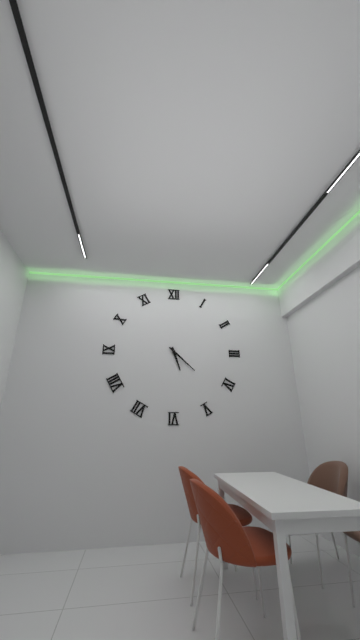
5:22
